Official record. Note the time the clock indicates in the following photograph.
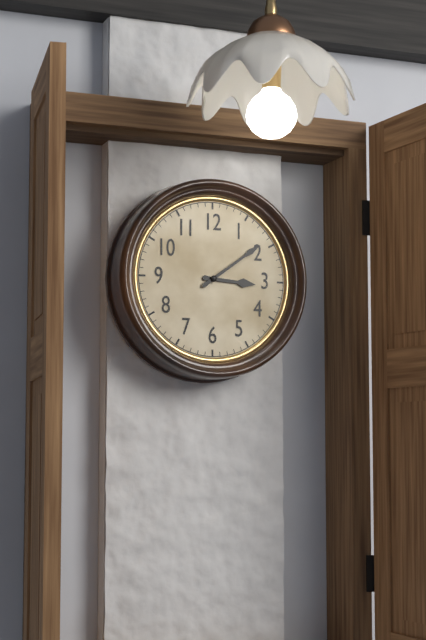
3:09
